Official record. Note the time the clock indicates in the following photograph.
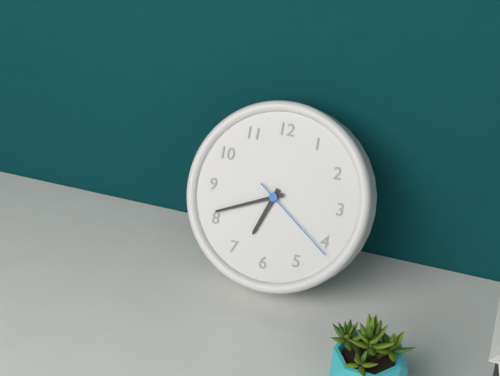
6:41:21
